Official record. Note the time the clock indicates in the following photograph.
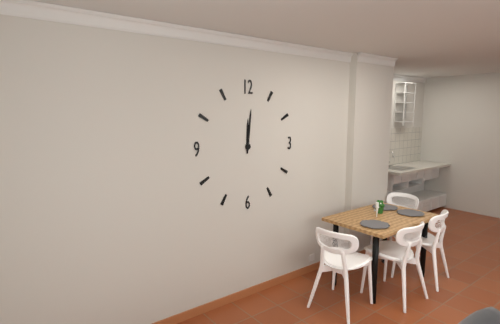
12:01
